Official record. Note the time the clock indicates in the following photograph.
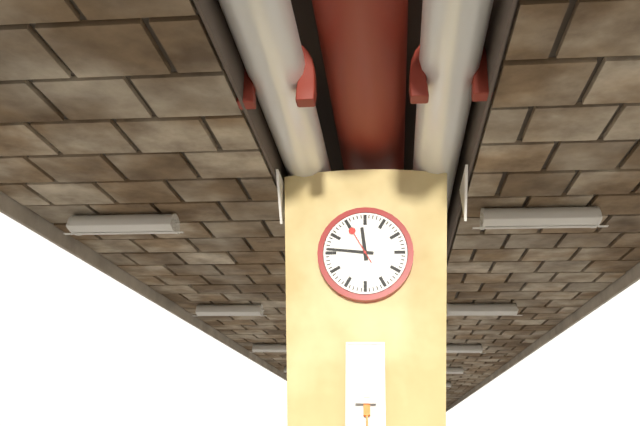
11:46
